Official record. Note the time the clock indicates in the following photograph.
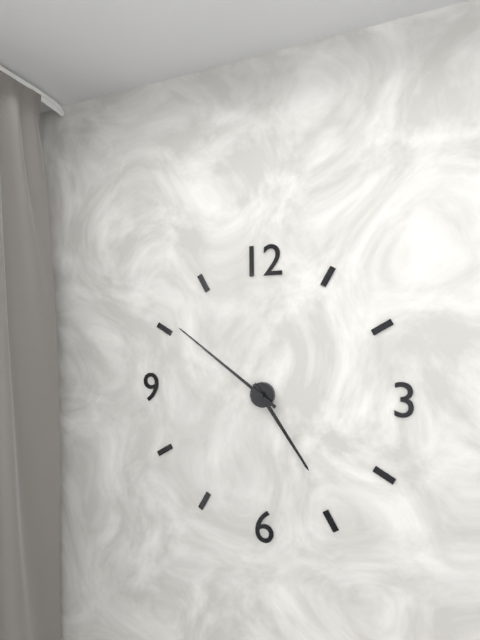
4:51
